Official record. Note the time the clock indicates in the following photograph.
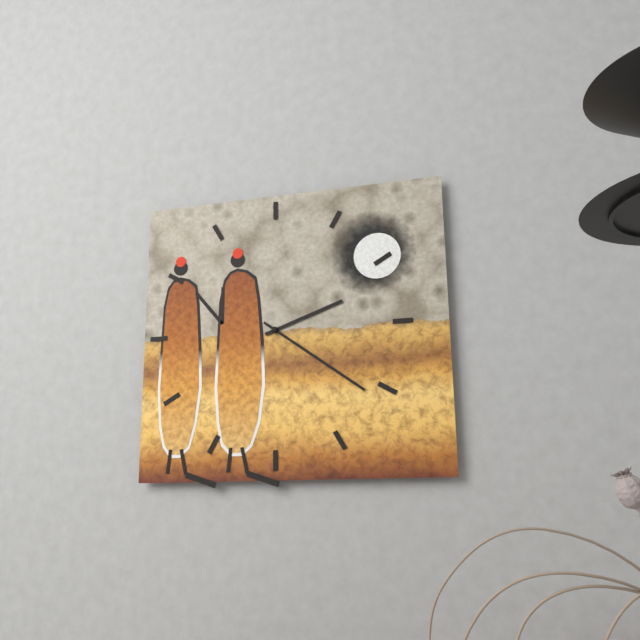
2:21
